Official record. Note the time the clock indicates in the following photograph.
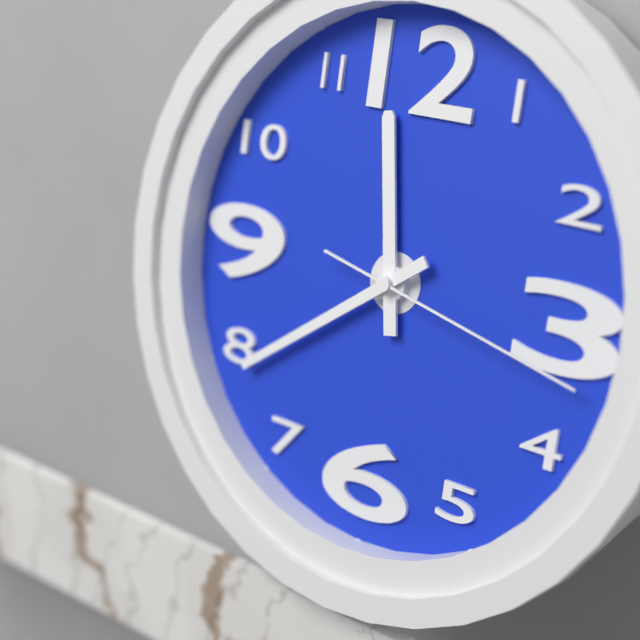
11:39:17
